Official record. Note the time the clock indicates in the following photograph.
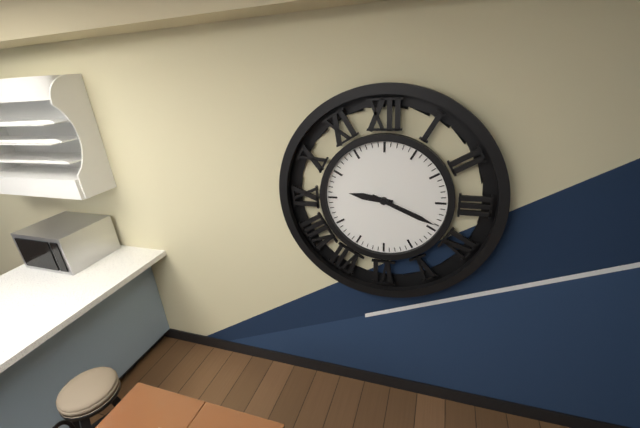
9:19
